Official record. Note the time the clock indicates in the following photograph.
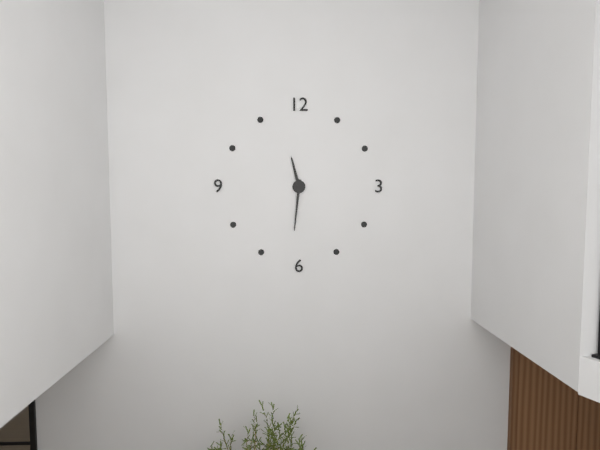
11:31
